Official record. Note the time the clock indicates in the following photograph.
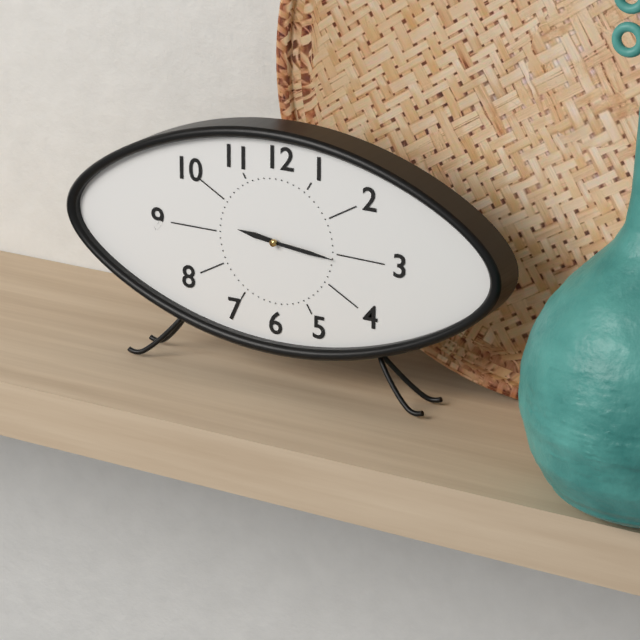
9:16
